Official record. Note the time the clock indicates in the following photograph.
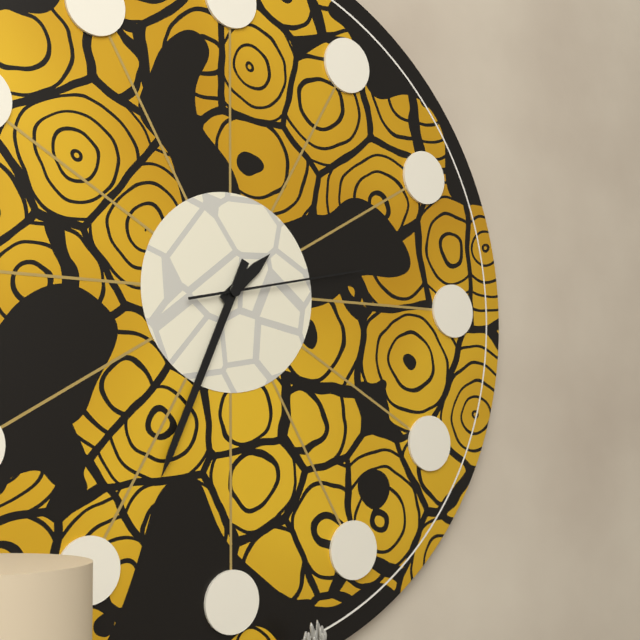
1:34:13
